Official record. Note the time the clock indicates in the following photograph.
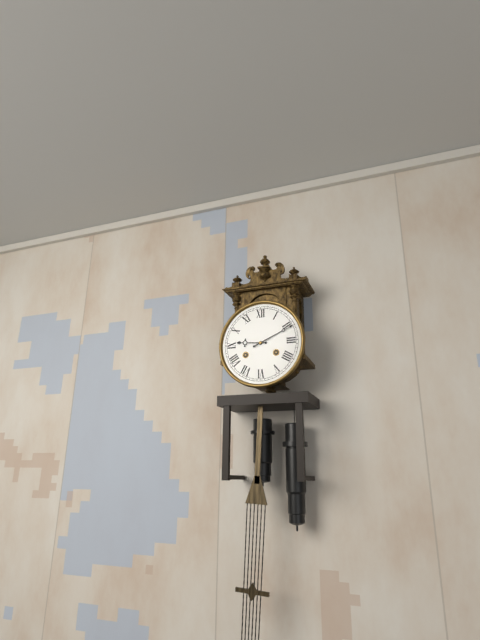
9:11
